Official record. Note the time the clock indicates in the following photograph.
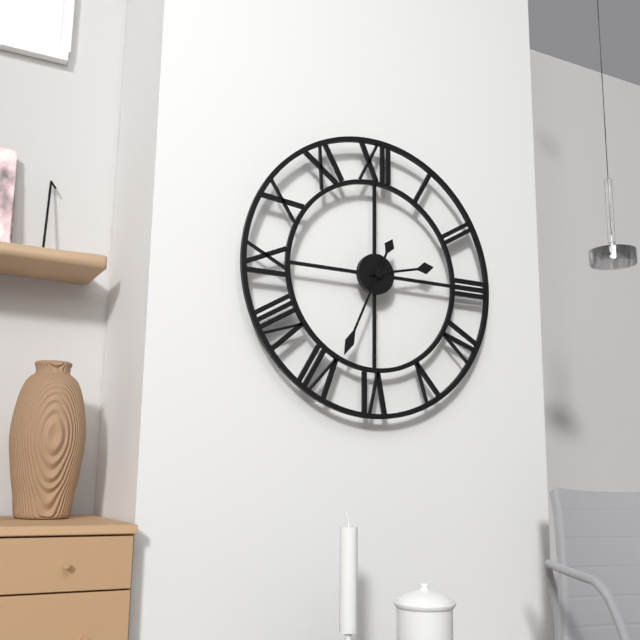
2:34
